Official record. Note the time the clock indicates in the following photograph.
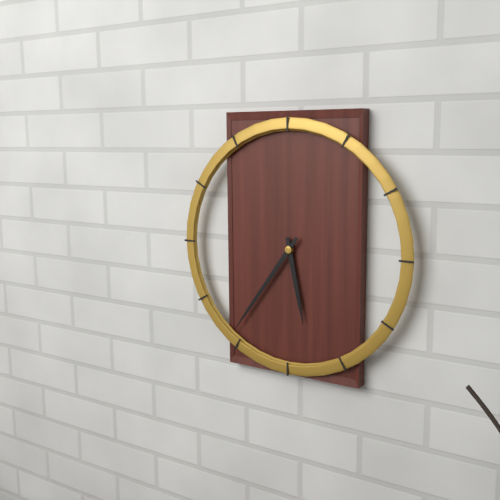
5:36
